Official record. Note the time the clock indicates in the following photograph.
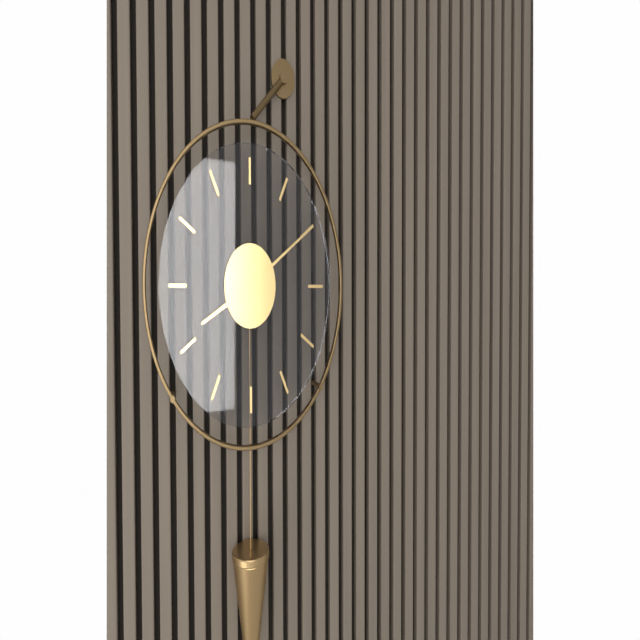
8:10
